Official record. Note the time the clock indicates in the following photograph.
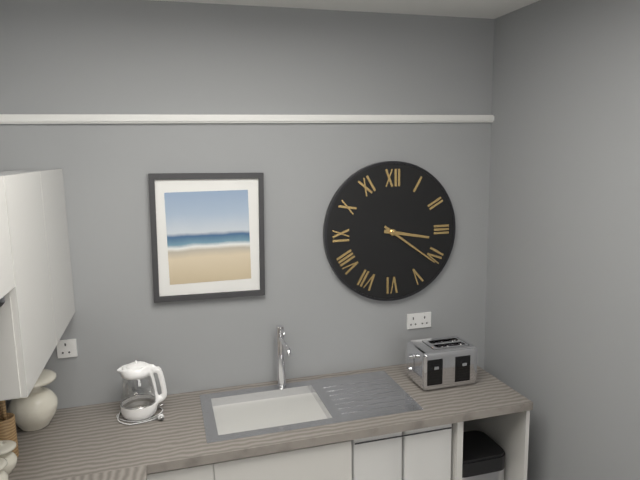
3:21
